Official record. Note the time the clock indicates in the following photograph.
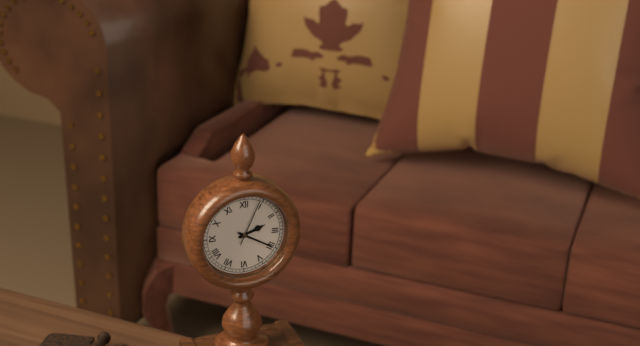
2:20
